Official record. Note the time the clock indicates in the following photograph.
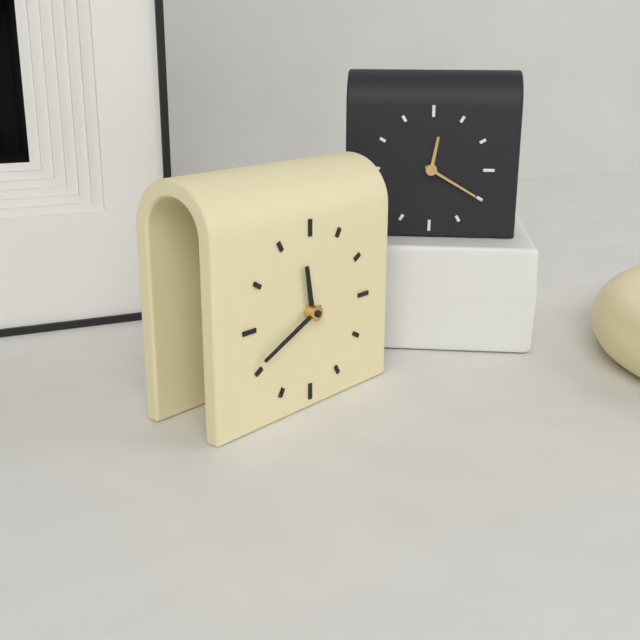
11:41
